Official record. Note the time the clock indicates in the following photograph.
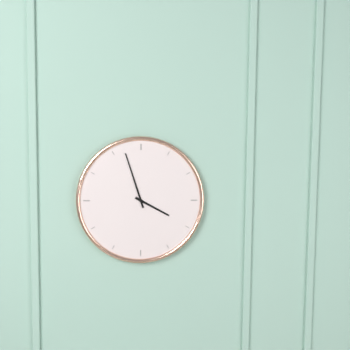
3:57
